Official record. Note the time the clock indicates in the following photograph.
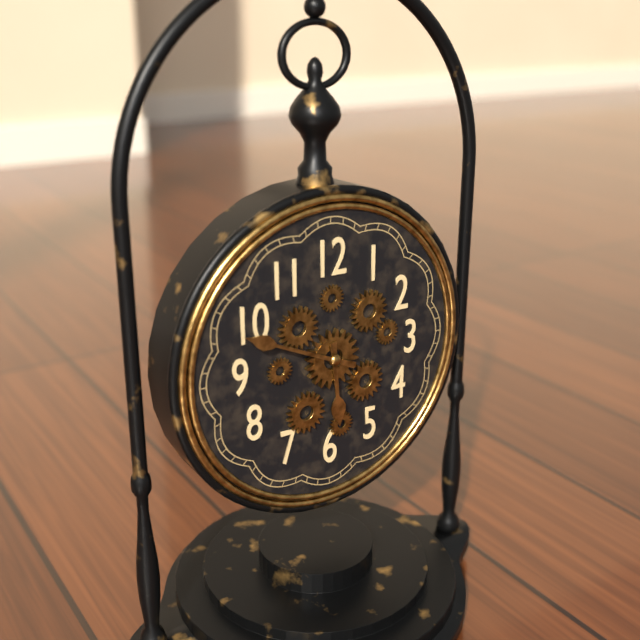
5:49
